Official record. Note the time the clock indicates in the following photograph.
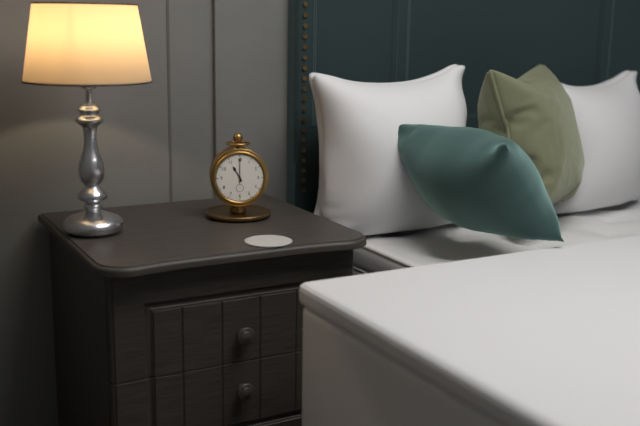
11:00
